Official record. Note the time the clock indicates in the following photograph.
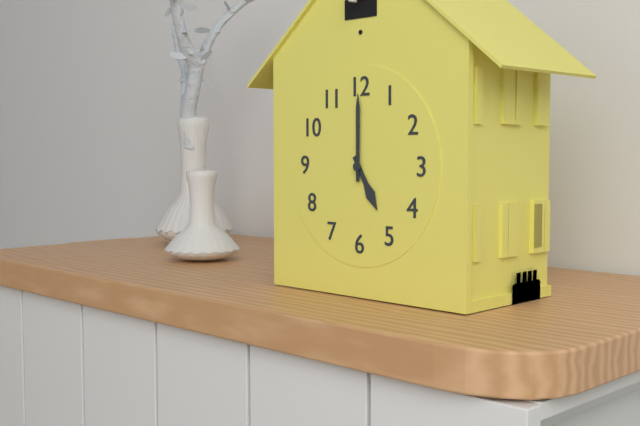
5:00
